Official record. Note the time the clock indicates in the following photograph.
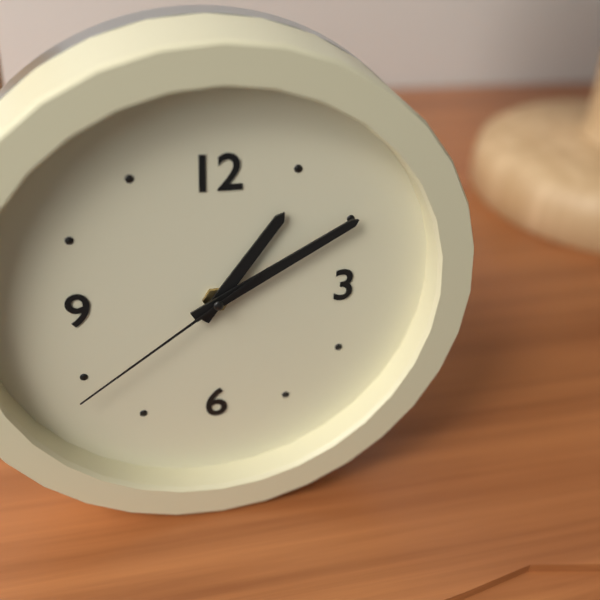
1:10:39
